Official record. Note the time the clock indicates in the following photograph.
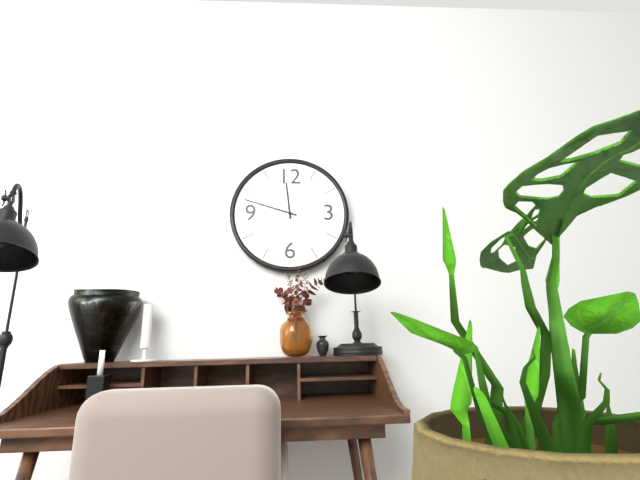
11:48
